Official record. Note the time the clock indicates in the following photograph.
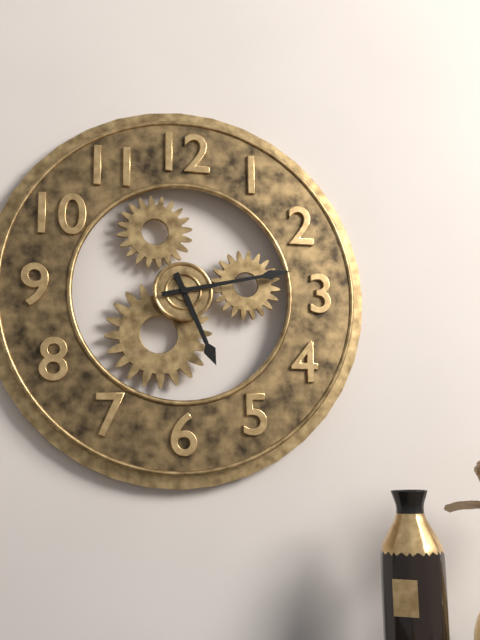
5:13
